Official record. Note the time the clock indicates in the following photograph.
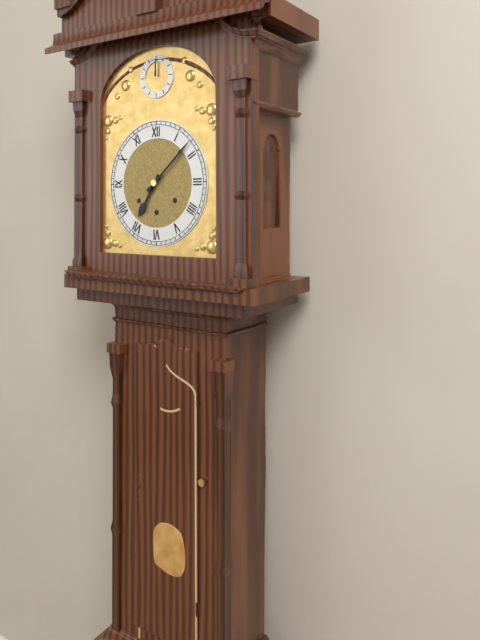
7:08
